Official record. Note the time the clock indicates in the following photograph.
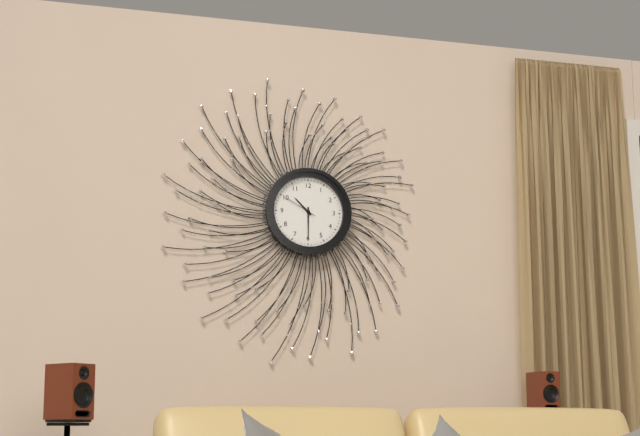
10:30
